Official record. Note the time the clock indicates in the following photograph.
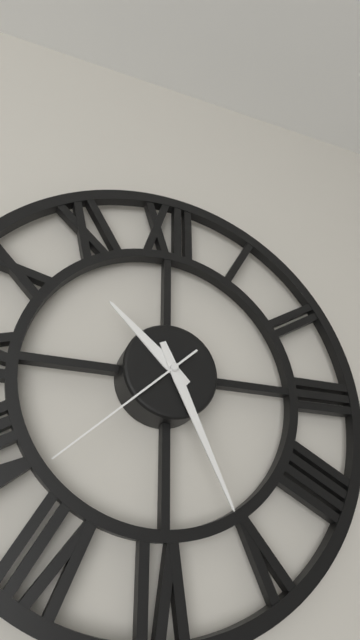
10:26:38
